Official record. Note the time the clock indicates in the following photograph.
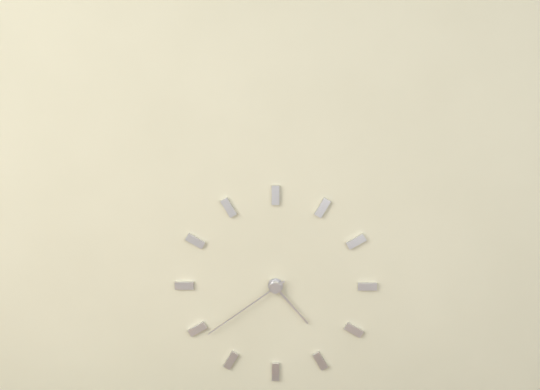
4:39
